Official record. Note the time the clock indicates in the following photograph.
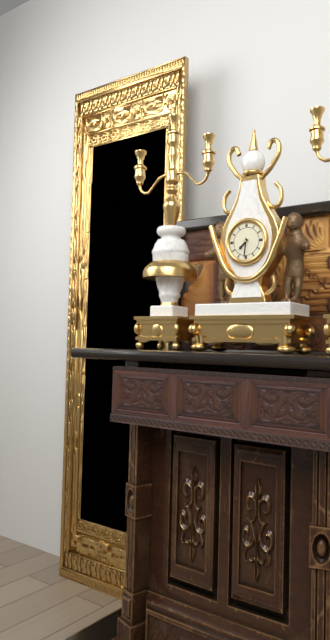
7:31
